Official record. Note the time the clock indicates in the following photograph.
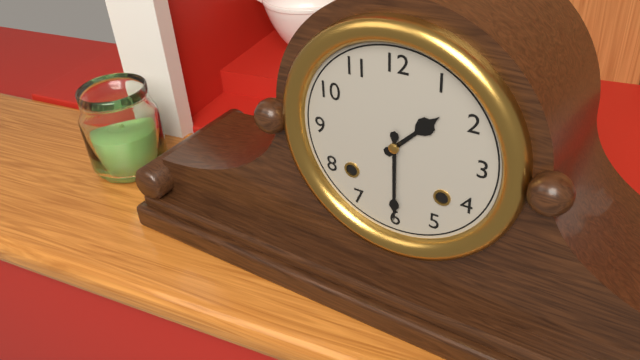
1:30
